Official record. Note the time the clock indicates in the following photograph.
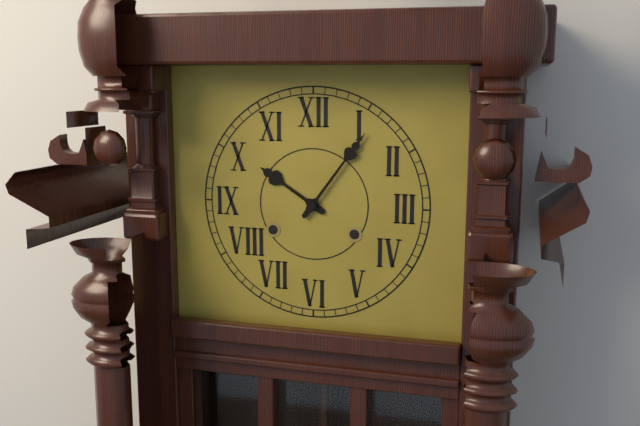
10:06
